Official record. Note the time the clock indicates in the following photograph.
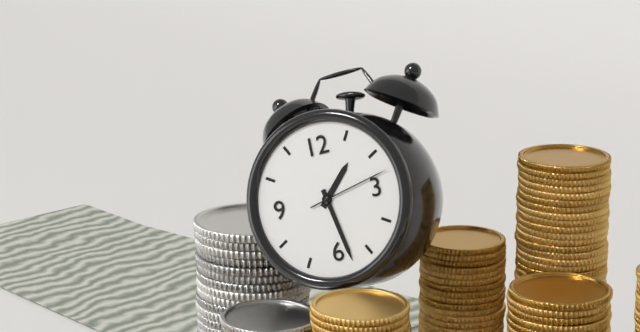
1:28:13
